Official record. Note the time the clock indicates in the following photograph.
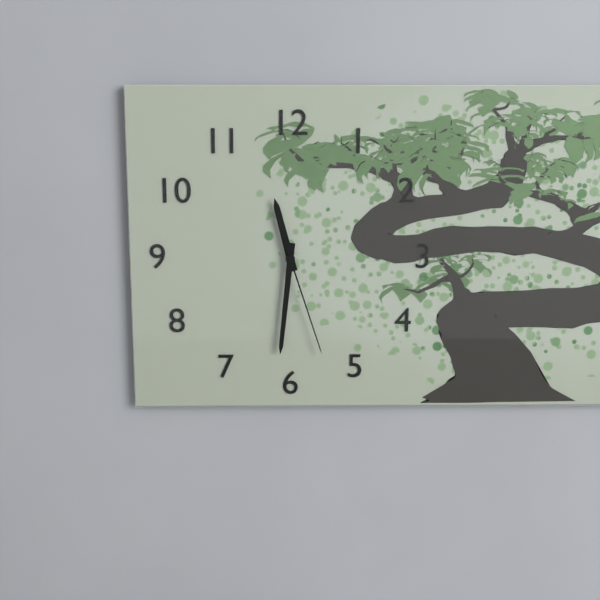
11:31:27
